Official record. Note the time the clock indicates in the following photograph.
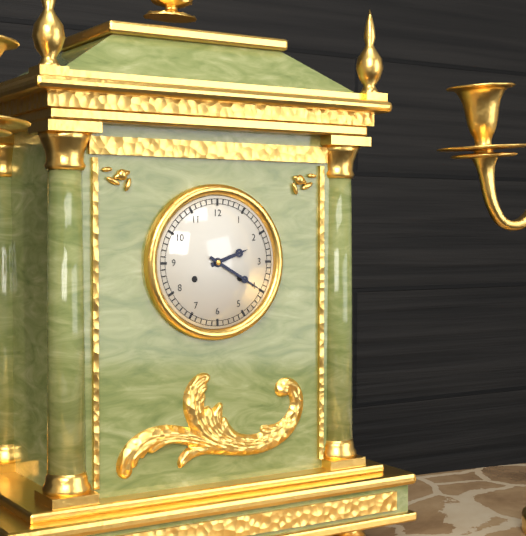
2:20
